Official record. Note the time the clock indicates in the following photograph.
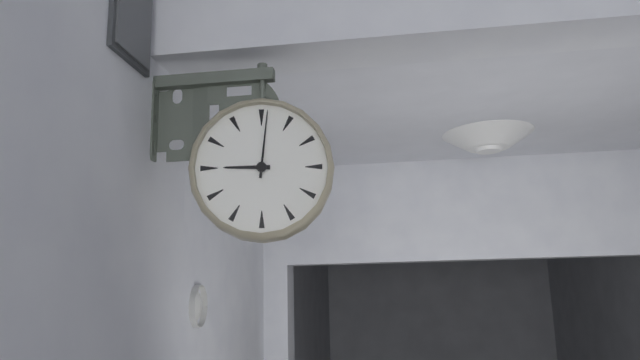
9:01
